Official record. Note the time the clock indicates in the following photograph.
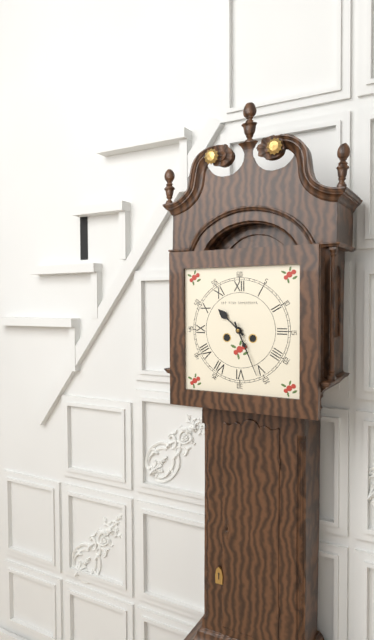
10:26
